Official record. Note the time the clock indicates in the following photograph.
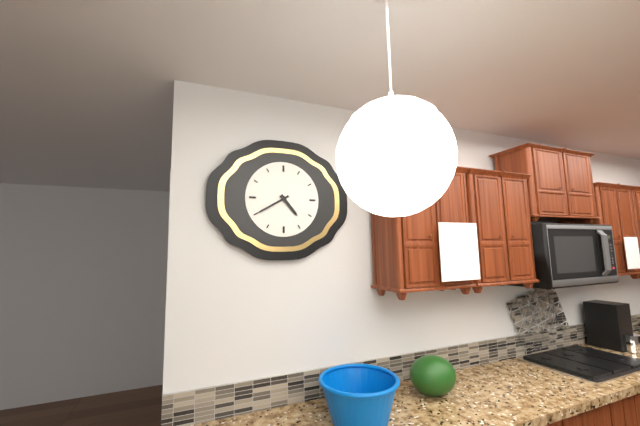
4:40
